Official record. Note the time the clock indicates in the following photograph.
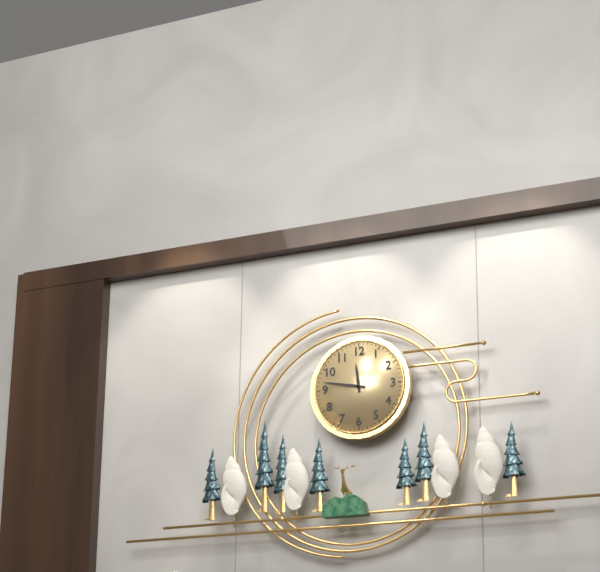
11:47
